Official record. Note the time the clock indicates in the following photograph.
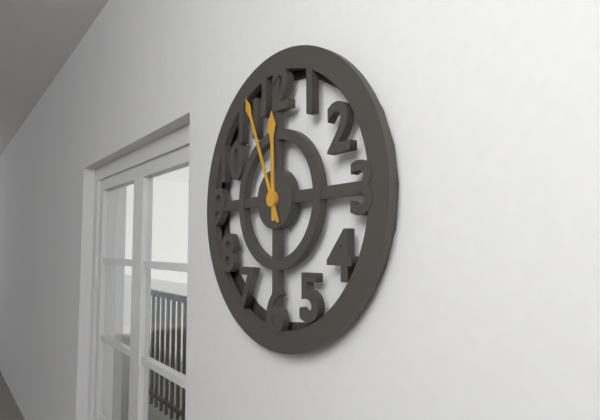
11:56
